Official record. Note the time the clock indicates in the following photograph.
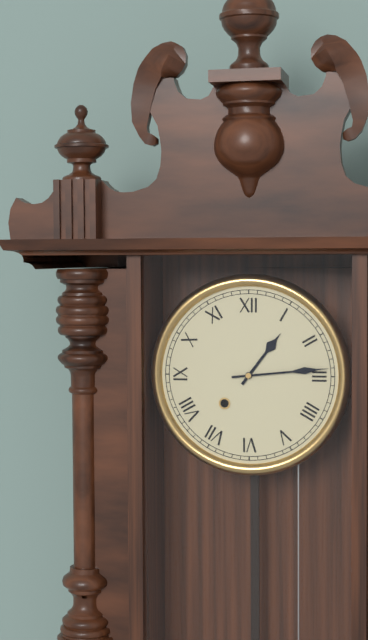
1:14
